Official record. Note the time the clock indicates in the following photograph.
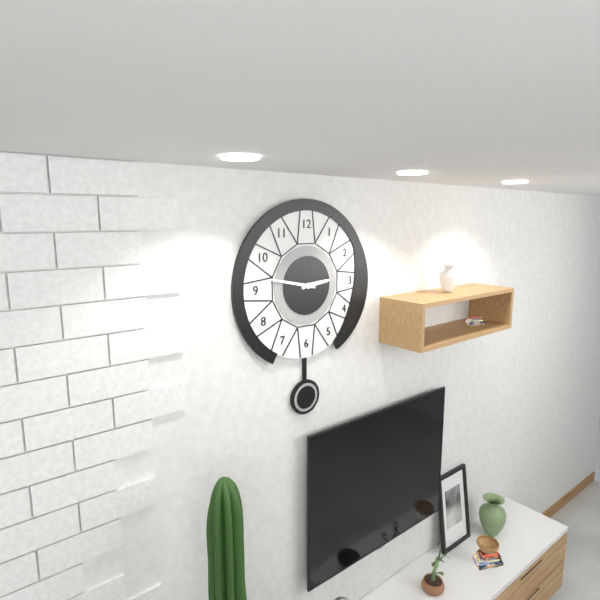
2:47
